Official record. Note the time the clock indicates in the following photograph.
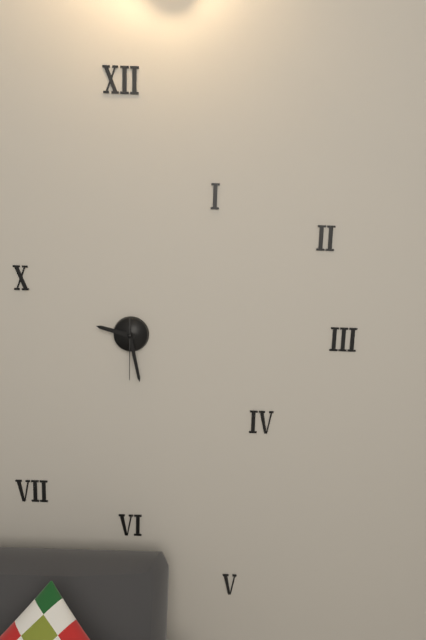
9:28:30
